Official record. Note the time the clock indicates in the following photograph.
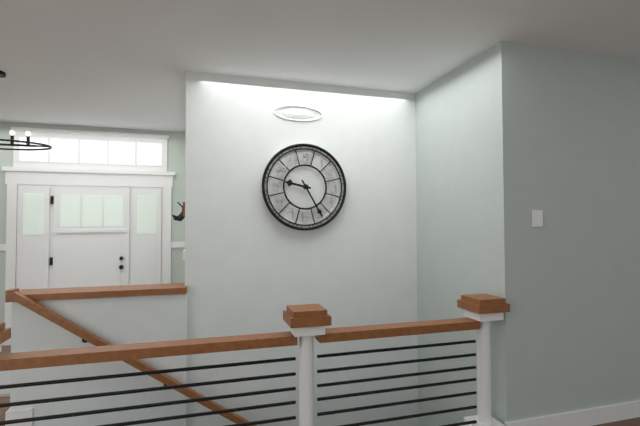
9:25
